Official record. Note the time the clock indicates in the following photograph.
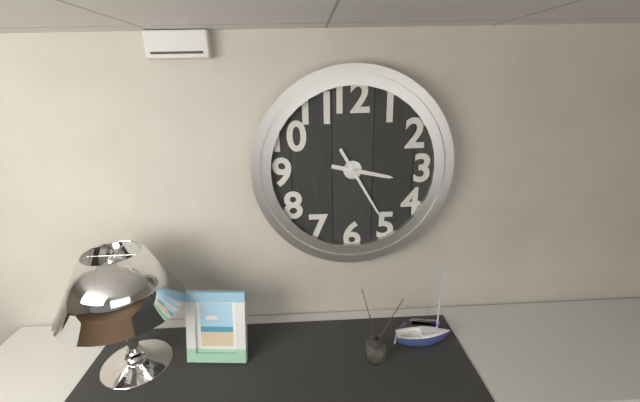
3:25
